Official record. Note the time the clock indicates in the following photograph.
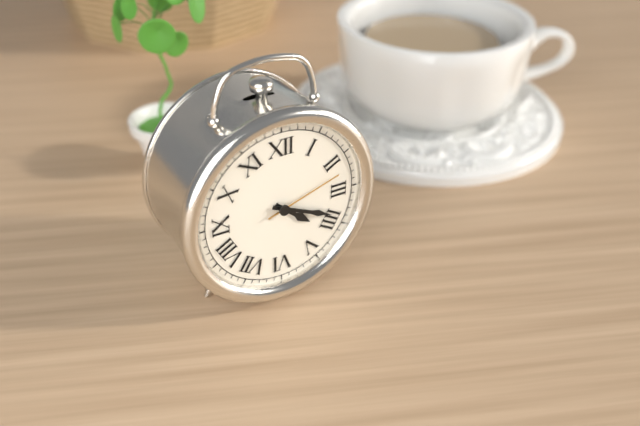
4:19:12
